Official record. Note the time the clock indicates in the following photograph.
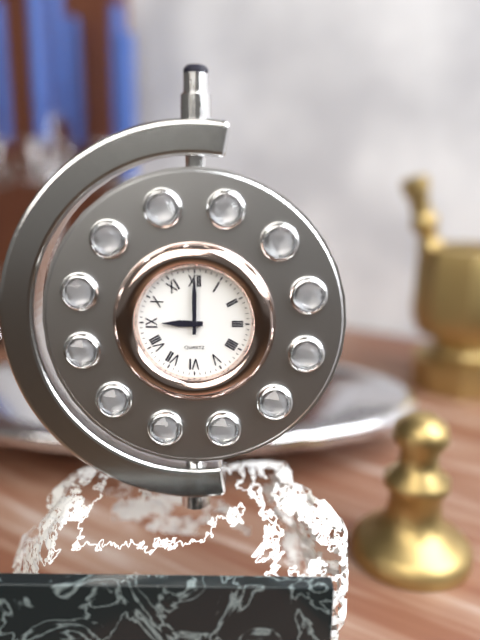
9:00
